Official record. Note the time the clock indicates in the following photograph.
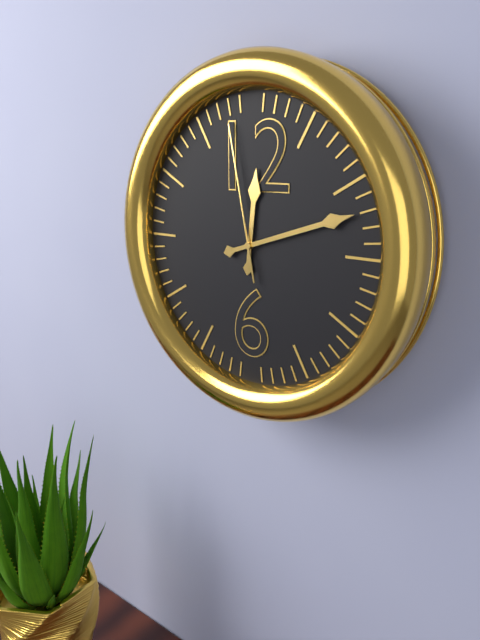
12:12:58
